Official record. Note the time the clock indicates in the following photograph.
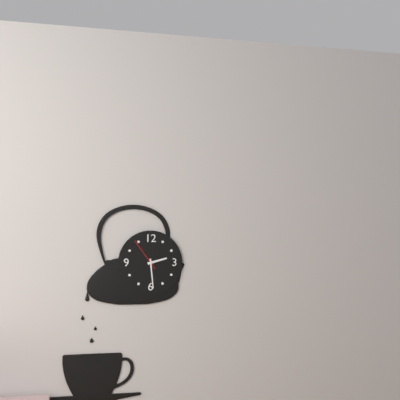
2:29
